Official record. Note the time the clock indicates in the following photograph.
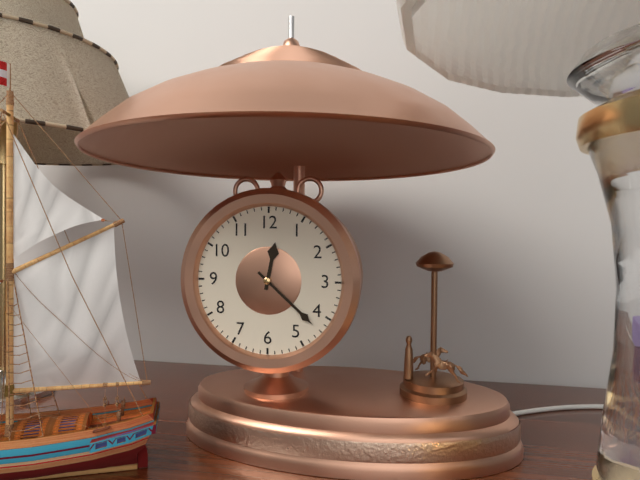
12:22
